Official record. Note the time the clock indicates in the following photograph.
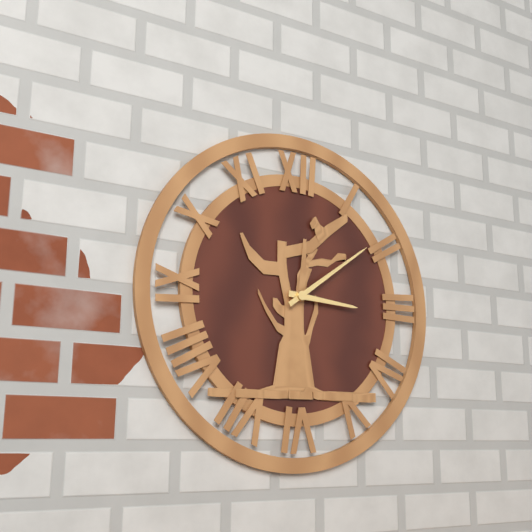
3:09
